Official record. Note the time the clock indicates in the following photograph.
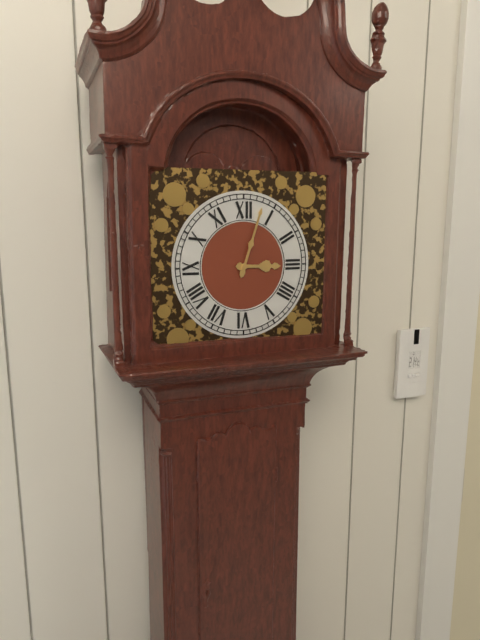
3:03
